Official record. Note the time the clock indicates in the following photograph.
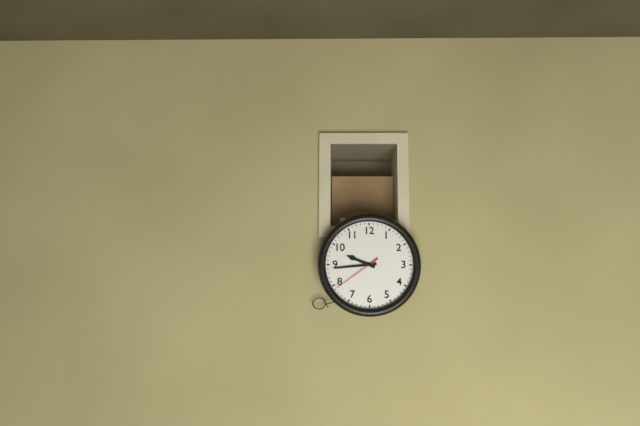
9:44
